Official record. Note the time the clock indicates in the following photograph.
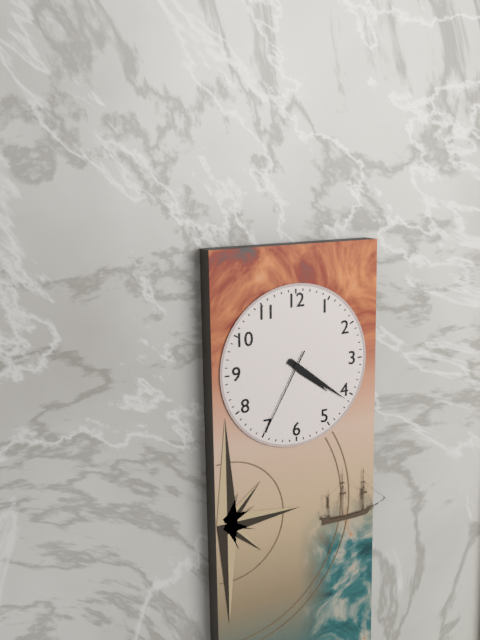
4:21:35
